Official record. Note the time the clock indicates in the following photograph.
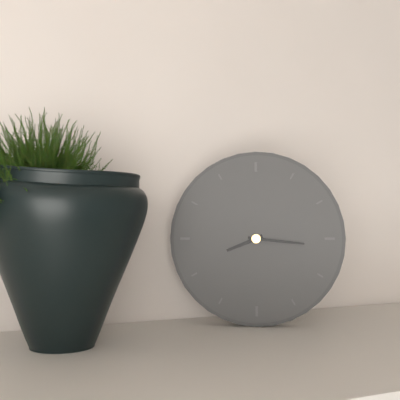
8:16
